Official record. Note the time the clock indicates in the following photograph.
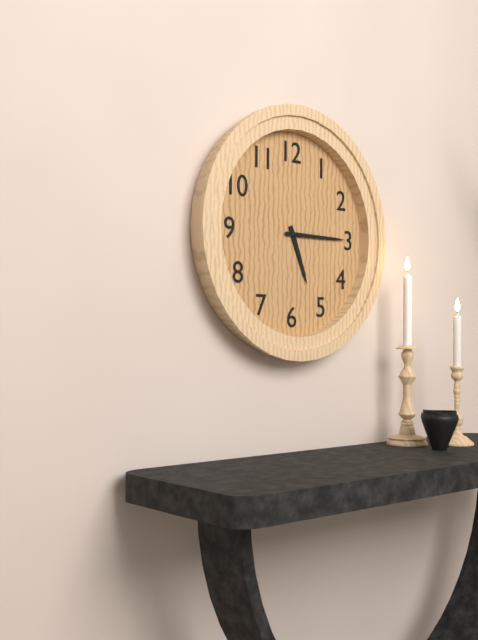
5:15
